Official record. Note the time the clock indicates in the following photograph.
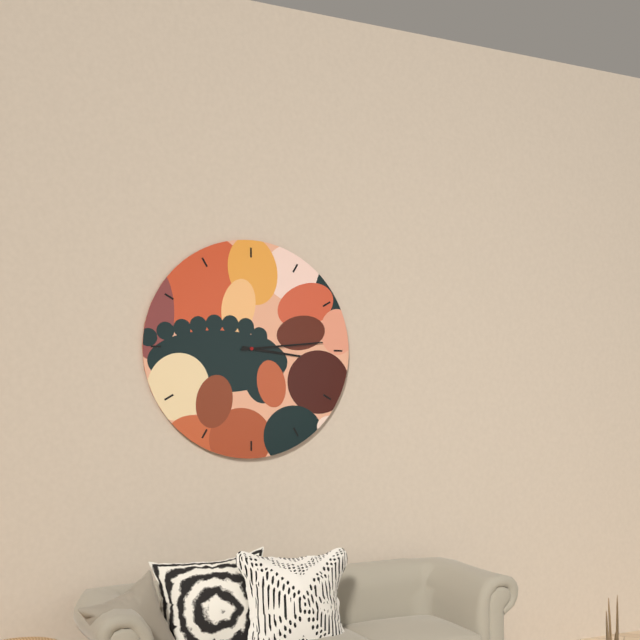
3:14
